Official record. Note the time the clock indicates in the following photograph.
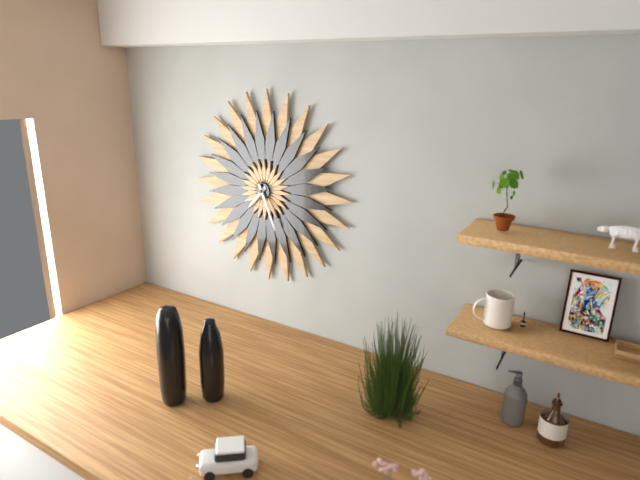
7:26
